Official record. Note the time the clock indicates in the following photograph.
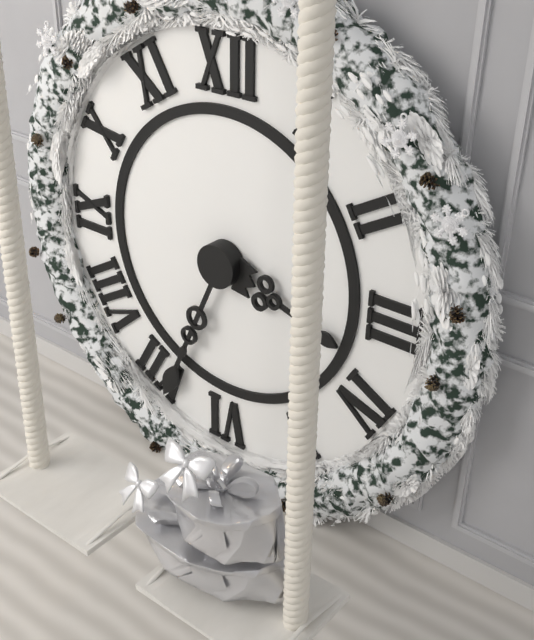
3:34
